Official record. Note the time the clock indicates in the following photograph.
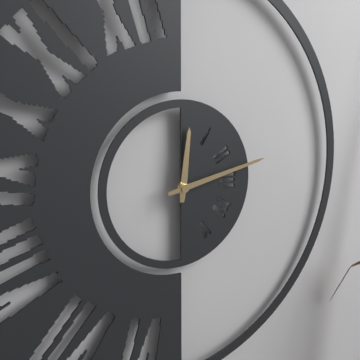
12:13
